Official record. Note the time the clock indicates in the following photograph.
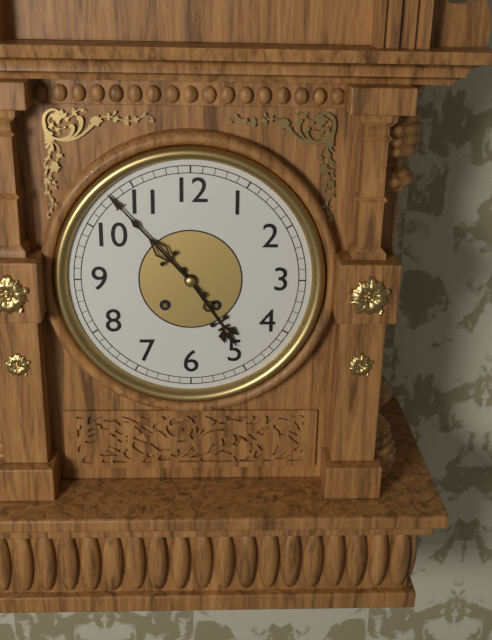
4:53
